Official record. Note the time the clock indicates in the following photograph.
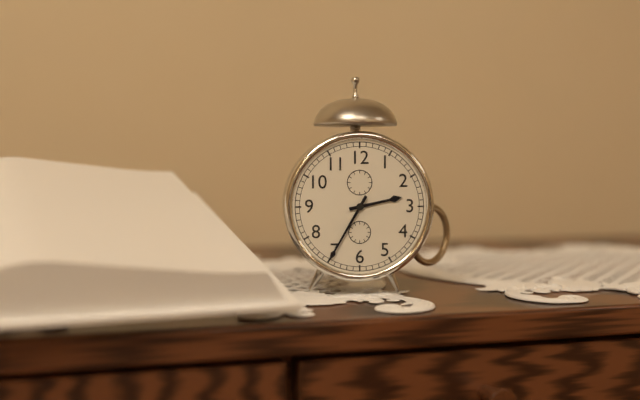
2:35
